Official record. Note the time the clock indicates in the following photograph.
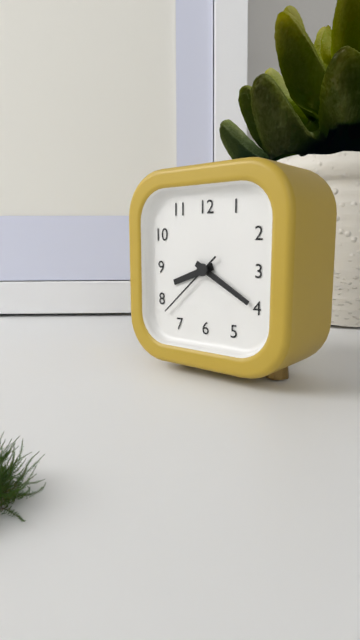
8:20:38
